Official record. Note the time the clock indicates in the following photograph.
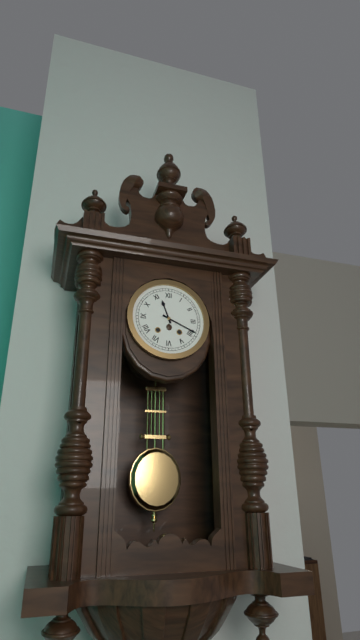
11:19
